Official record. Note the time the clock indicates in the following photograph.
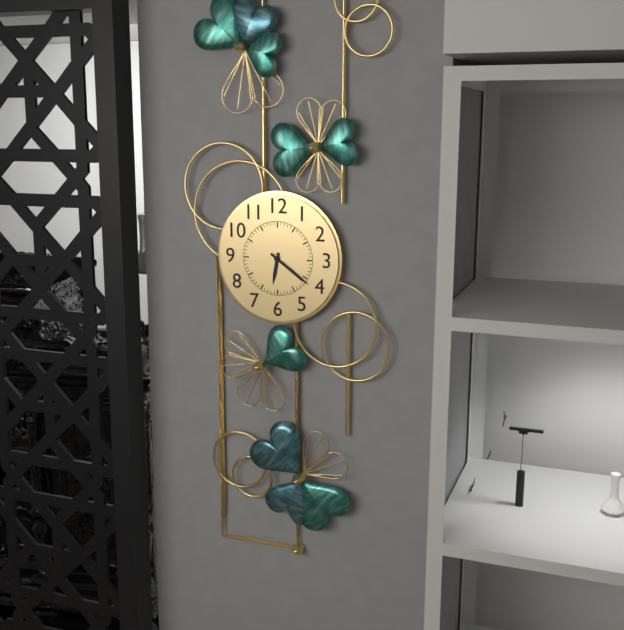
6:21
